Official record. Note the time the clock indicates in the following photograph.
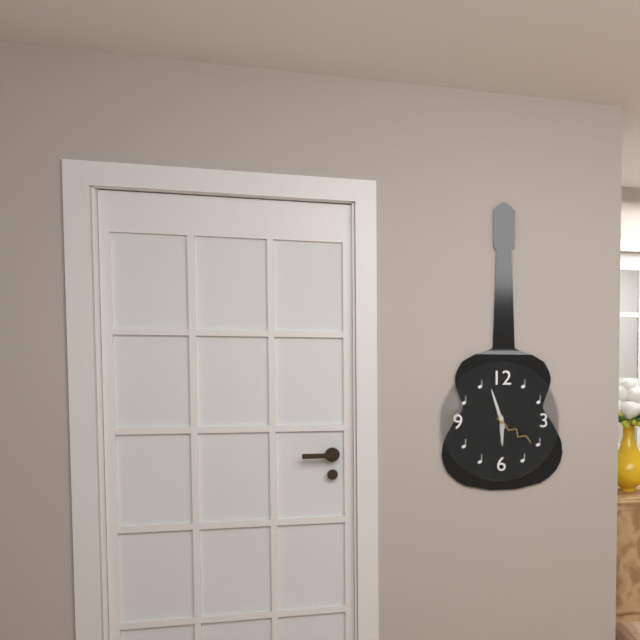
5:57
